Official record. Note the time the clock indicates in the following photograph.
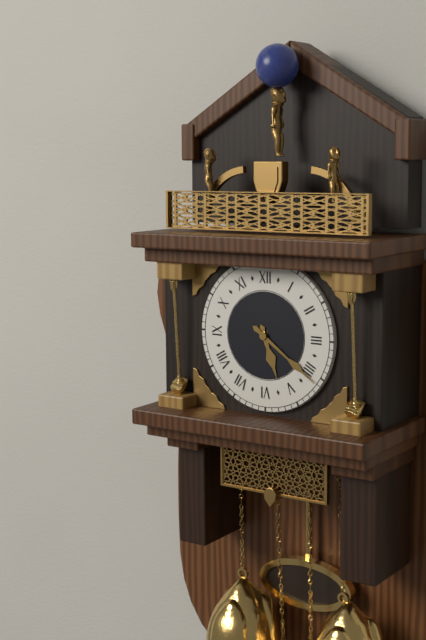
5:21
